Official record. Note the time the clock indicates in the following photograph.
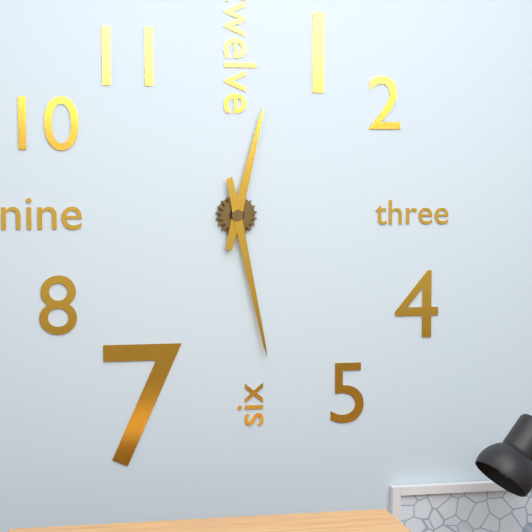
12:28
